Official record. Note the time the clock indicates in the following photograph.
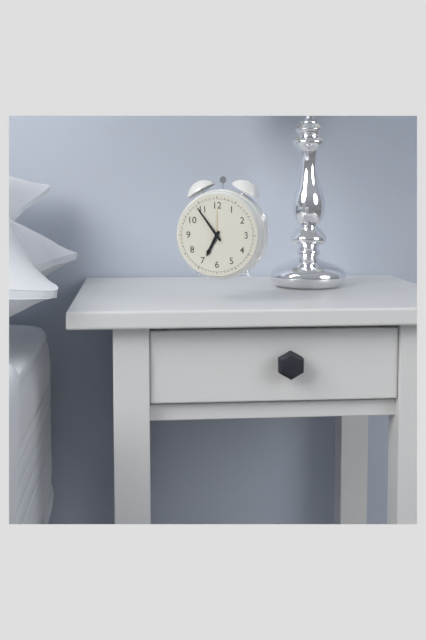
6:54
